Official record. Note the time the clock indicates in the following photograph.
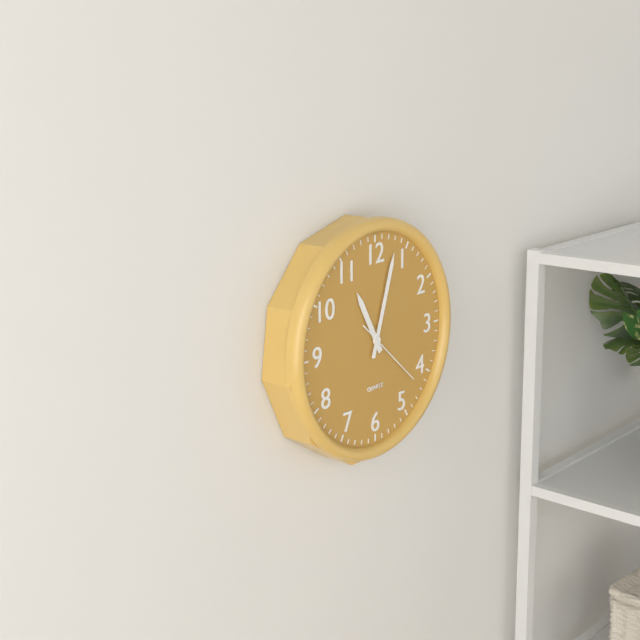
11:03:22
